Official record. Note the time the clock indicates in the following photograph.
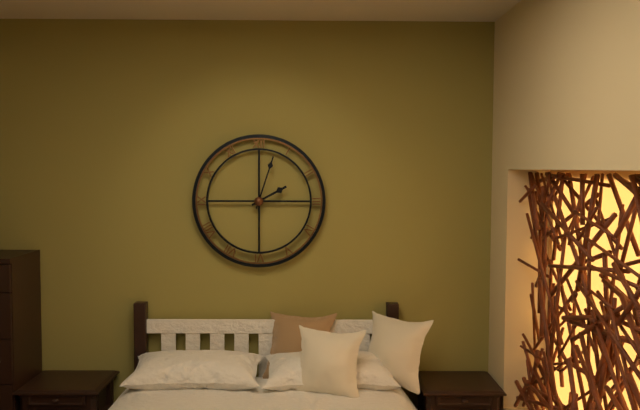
2:03
